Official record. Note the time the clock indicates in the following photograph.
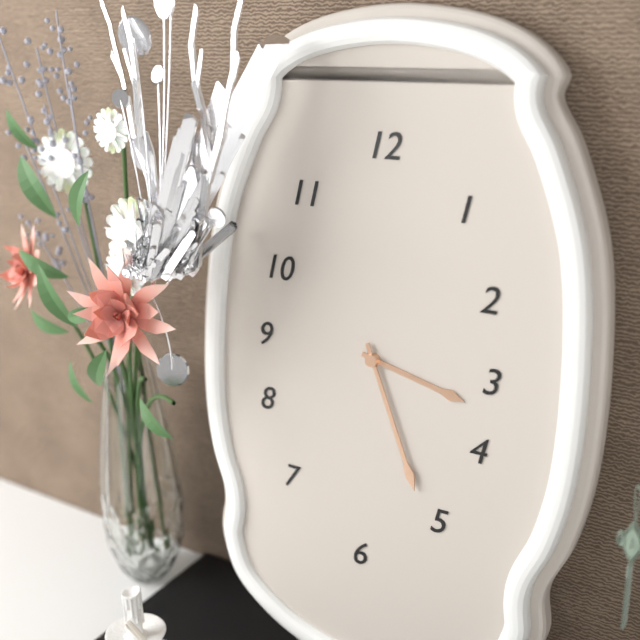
3:26
